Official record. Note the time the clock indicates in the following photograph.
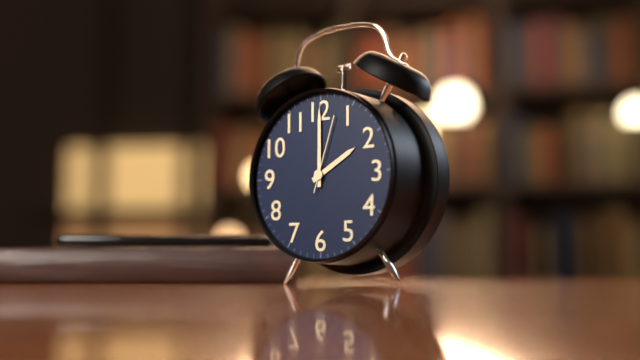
2:00:03
